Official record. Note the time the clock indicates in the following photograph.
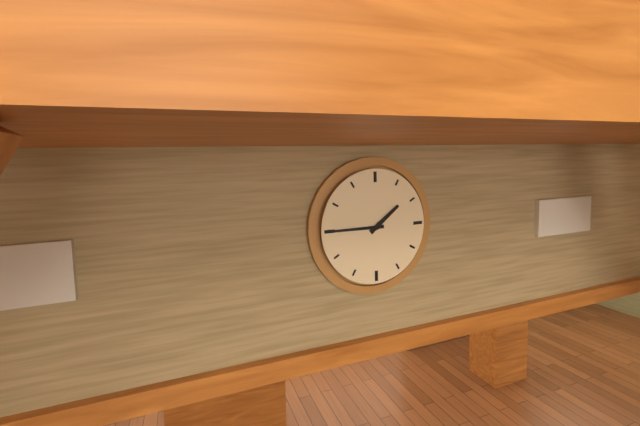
1:45
